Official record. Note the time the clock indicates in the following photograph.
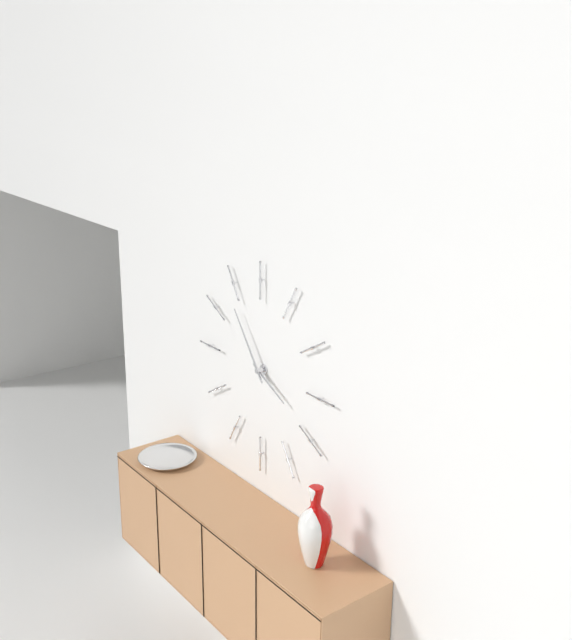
3:54
